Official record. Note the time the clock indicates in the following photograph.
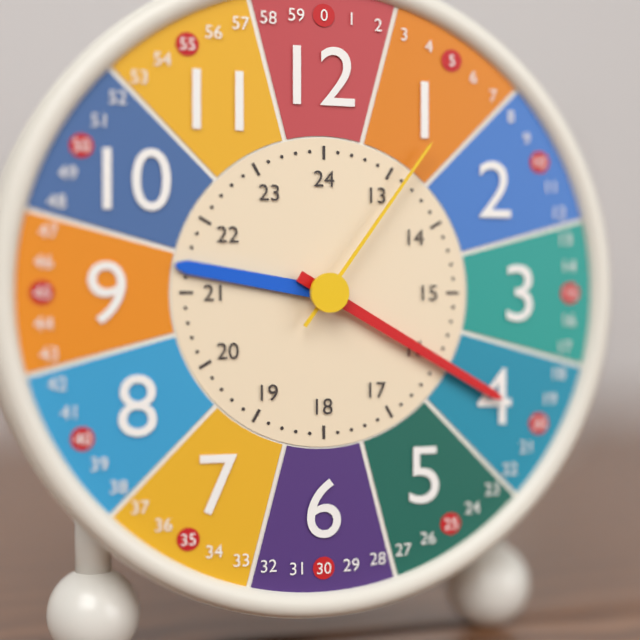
9:20:06
